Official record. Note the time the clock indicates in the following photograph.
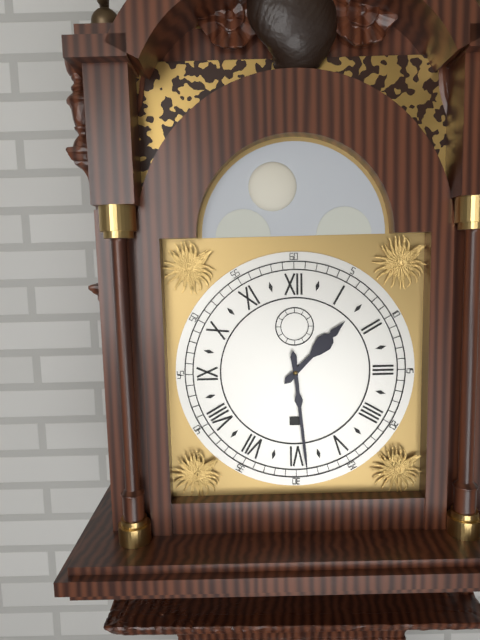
1:29
